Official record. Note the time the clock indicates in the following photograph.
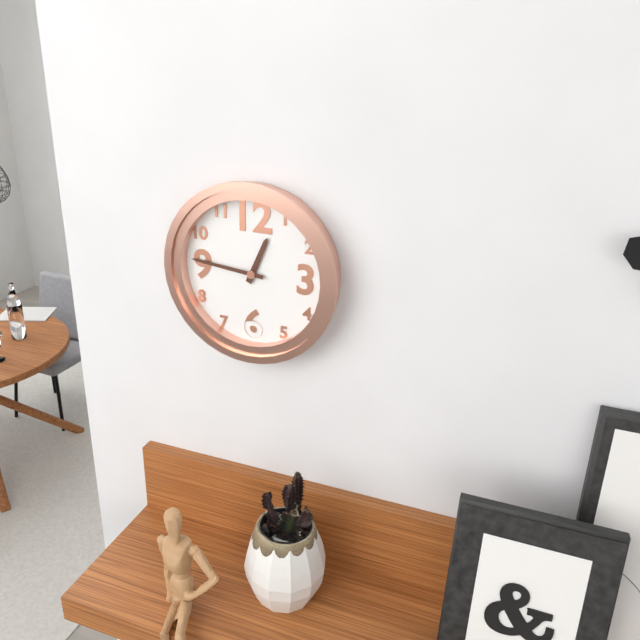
12:46
